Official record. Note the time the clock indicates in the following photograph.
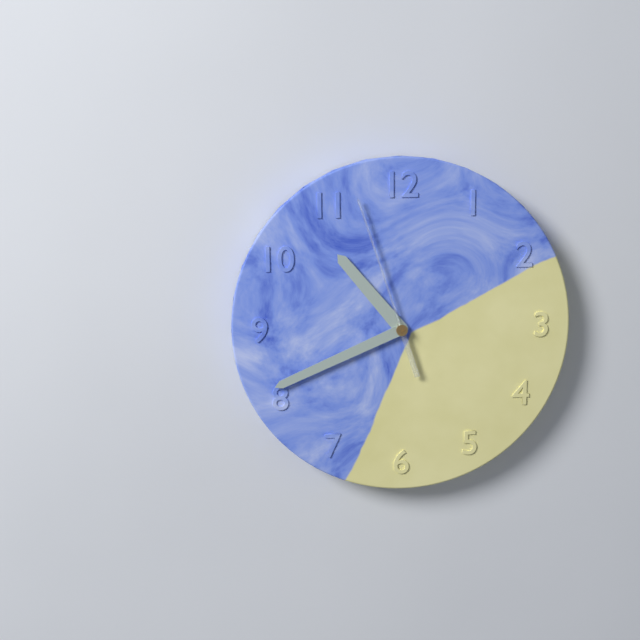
10:41:57
